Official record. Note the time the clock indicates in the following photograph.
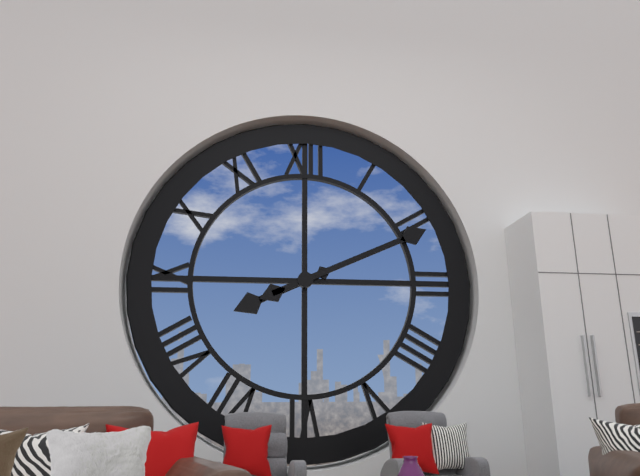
8:11
